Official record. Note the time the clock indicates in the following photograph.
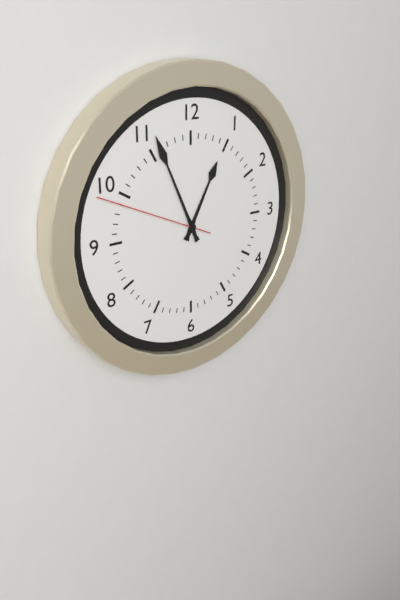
12:56:49
